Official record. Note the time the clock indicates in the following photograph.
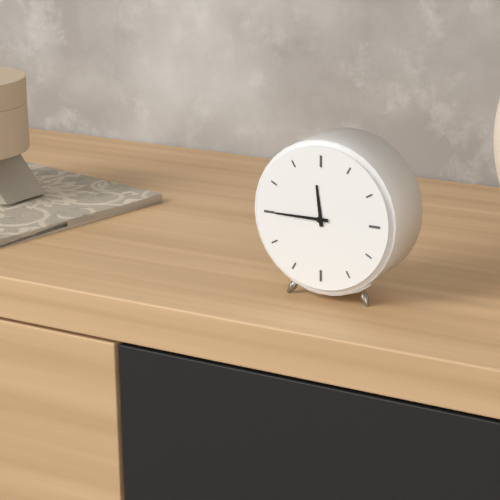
11:45
